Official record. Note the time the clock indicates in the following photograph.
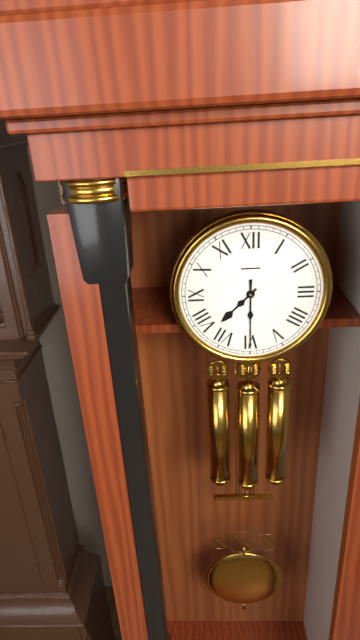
7:30
